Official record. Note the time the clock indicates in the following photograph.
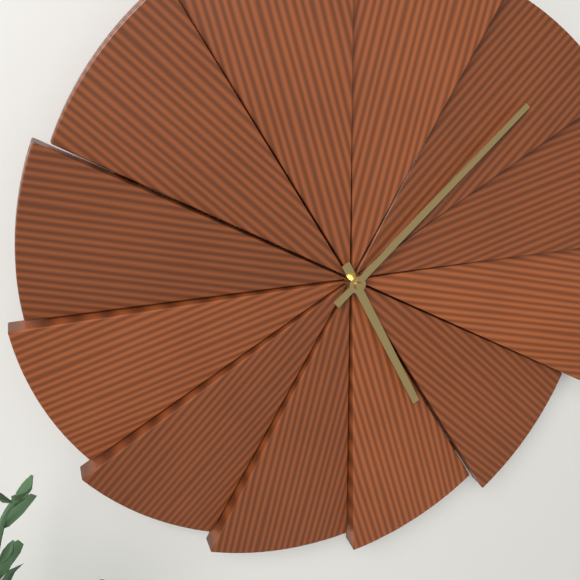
5:08
